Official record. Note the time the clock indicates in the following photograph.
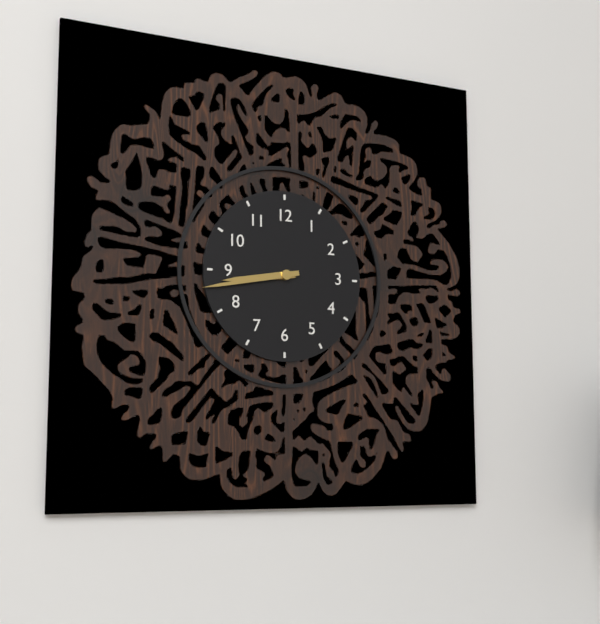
8:43
